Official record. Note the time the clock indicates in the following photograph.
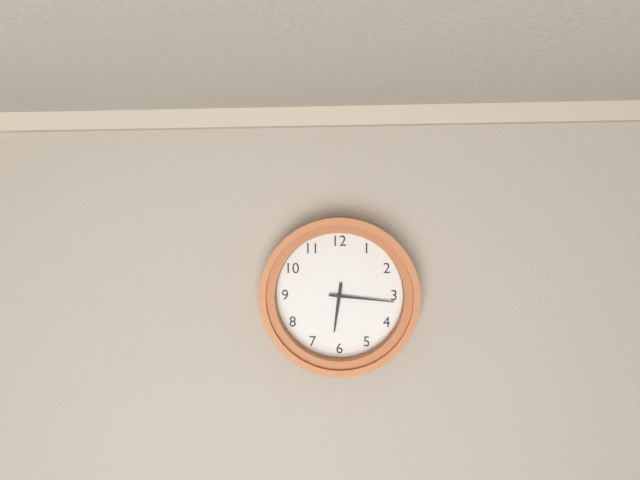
6:16
